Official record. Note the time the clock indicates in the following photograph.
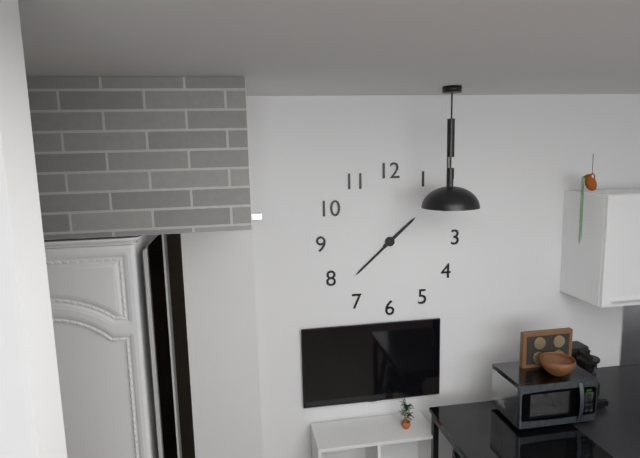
1:38
